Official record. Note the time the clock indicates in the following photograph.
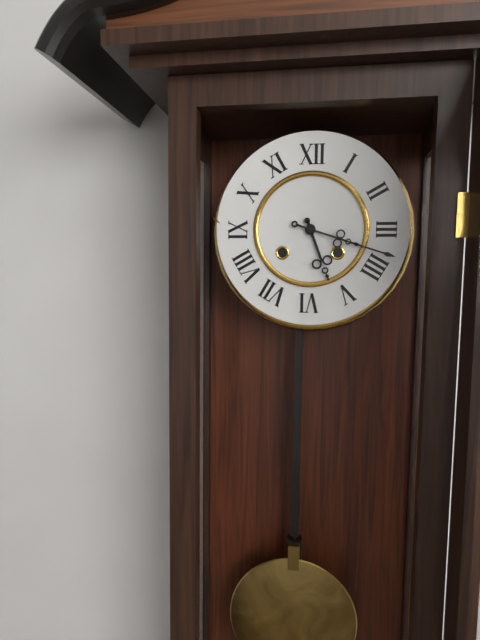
5:18
